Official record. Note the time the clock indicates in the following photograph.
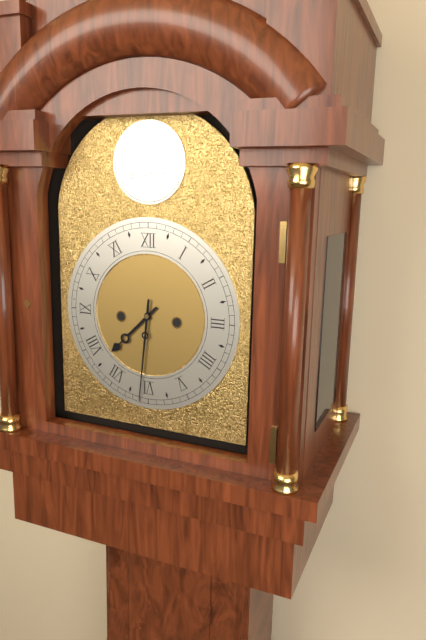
7:31
